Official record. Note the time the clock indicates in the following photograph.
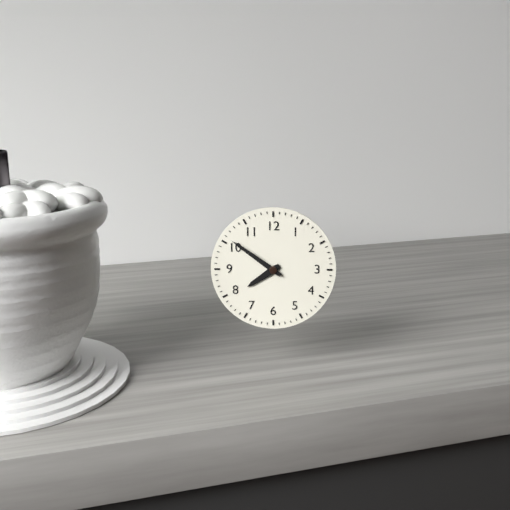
7:51
